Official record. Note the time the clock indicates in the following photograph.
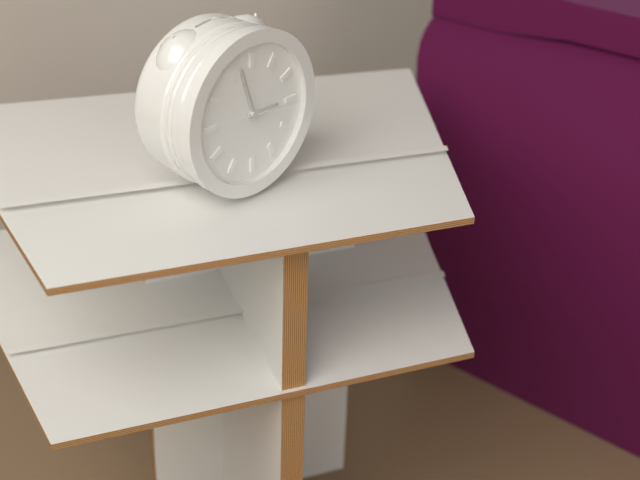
2:57:16
